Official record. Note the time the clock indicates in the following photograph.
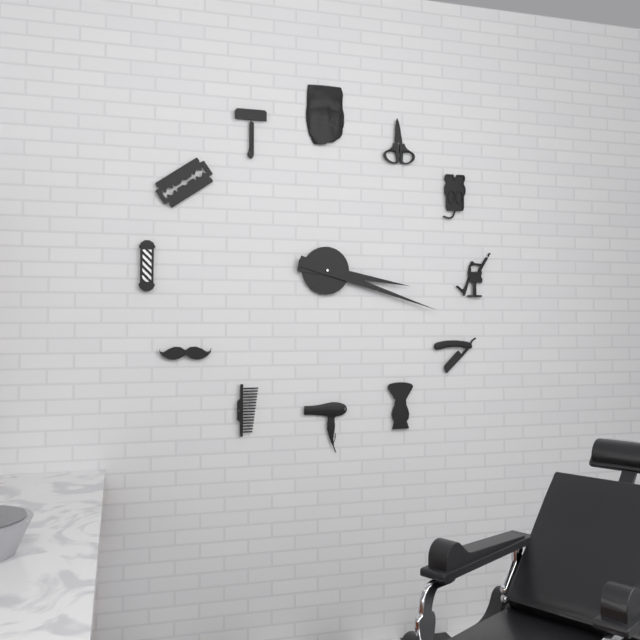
3:18
